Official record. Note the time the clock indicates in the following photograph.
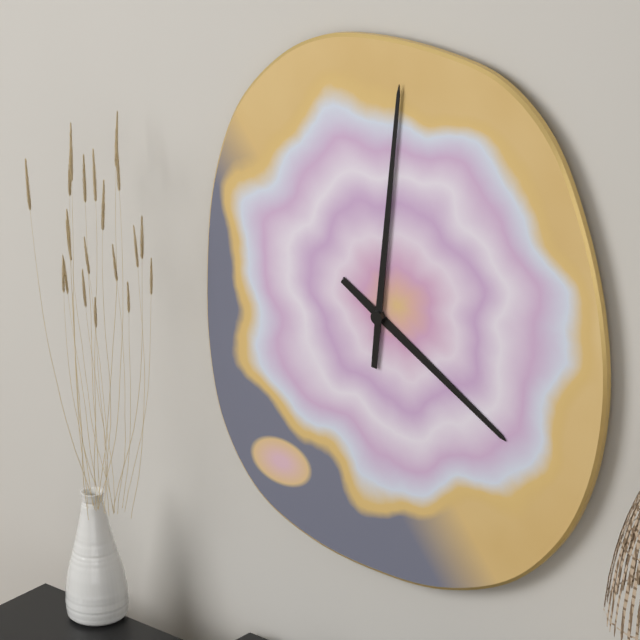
4:01
